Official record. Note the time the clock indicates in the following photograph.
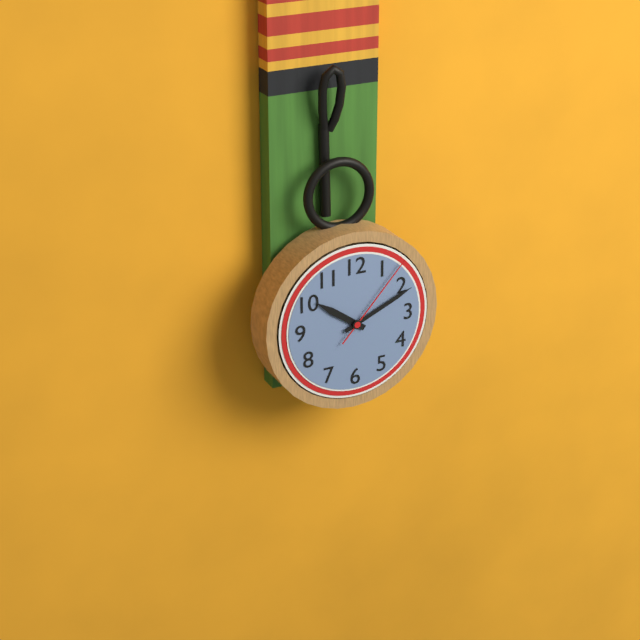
10:11:07
